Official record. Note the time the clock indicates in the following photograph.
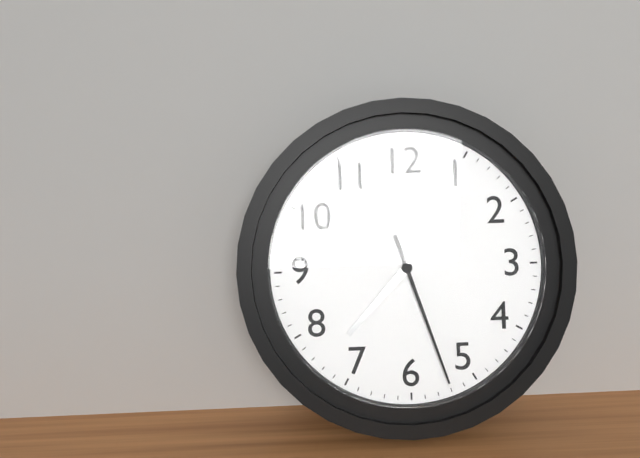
7:27
